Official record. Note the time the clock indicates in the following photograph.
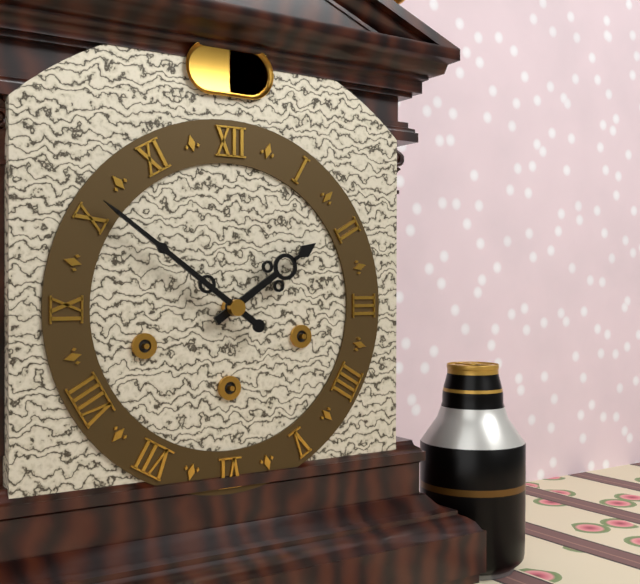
1:51
